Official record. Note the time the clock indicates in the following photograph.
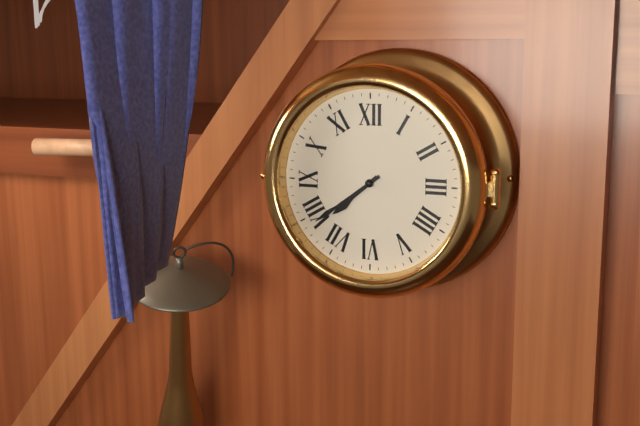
7:39
